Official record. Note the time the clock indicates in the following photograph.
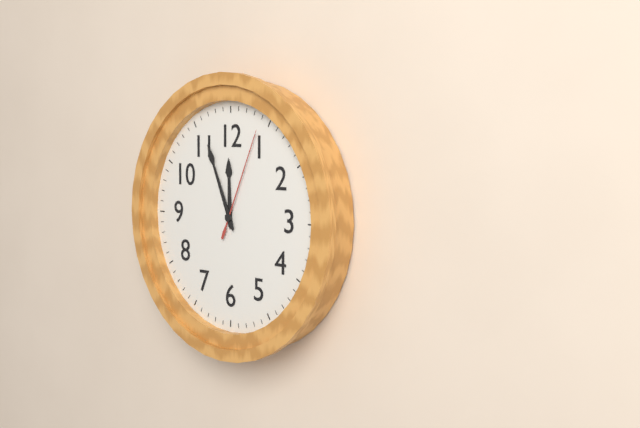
11:56:04
